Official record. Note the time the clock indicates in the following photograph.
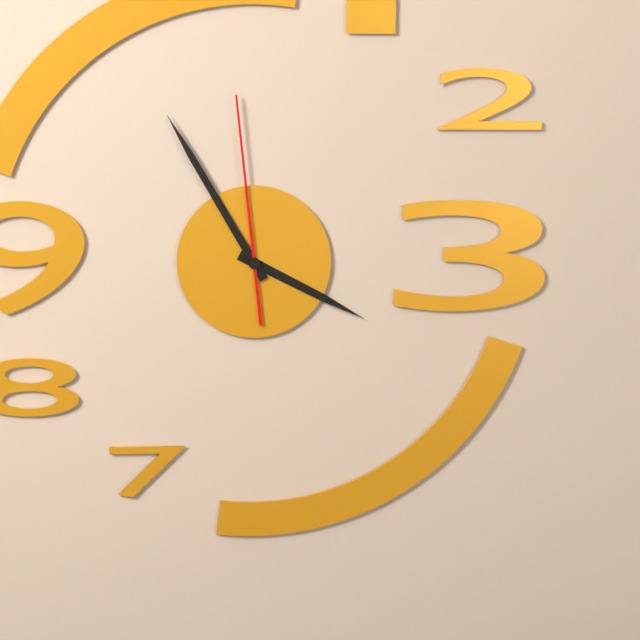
3:55:59
